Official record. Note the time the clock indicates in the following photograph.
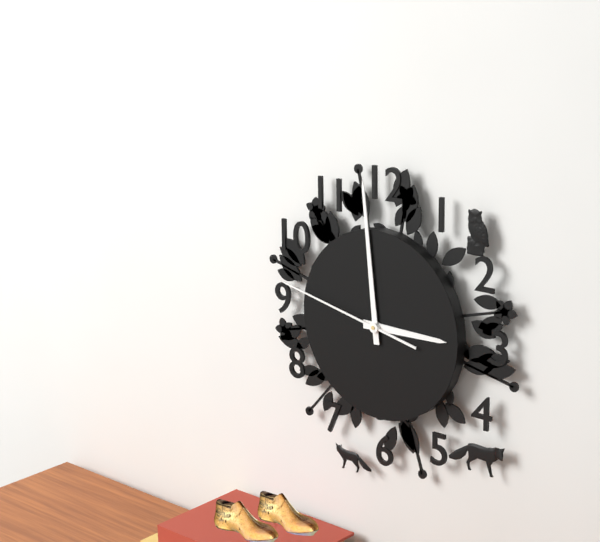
2:59:47
